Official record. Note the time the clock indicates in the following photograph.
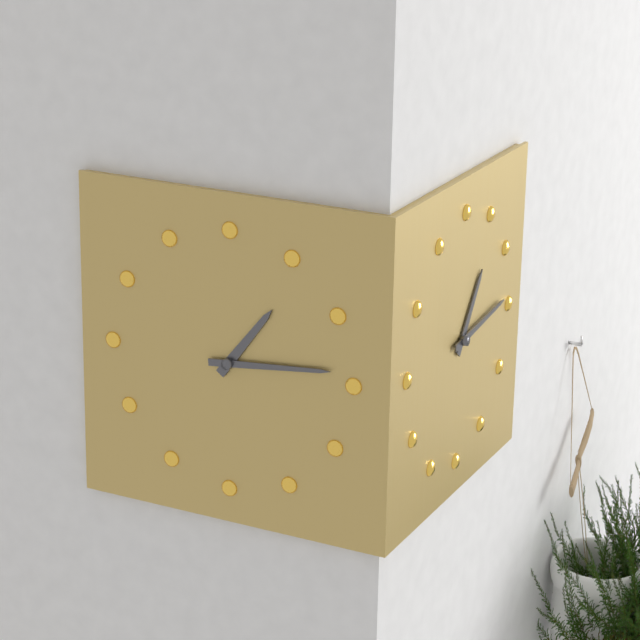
1:14
